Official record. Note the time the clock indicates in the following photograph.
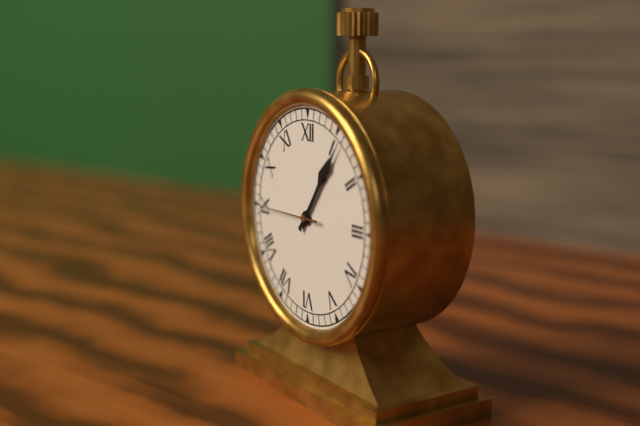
1:06:45
